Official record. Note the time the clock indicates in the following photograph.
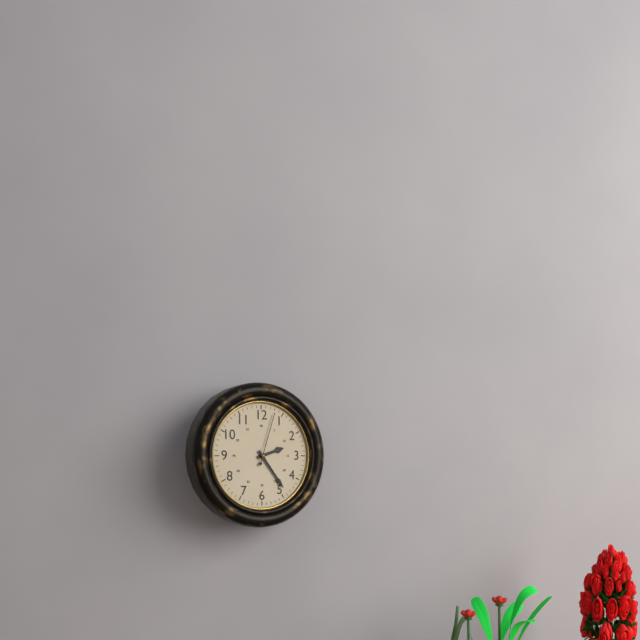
2:24:03
